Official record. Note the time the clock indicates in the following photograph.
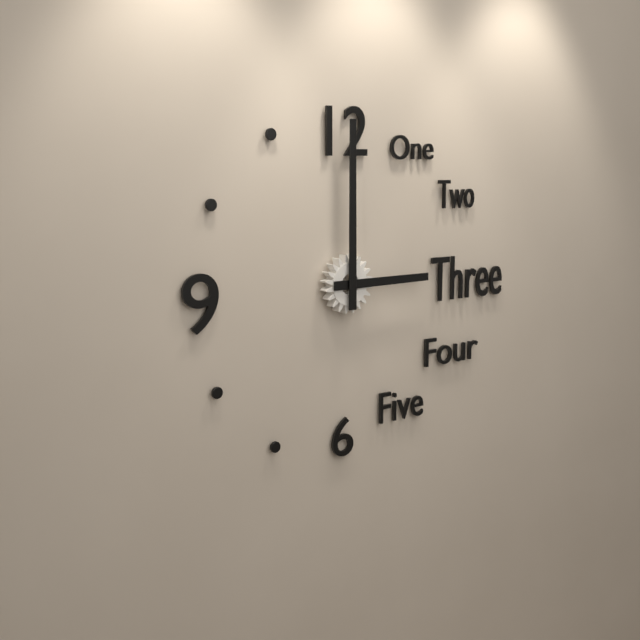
3:00
